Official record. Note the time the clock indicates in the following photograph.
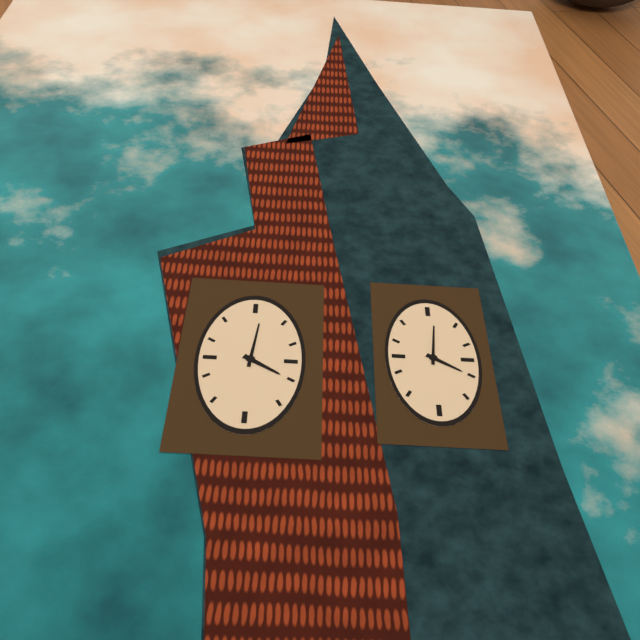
4:01
